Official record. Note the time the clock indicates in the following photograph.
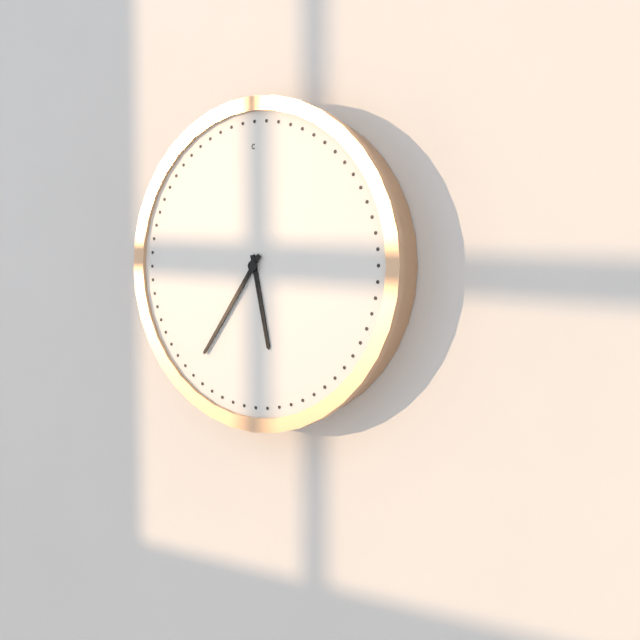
5:36
